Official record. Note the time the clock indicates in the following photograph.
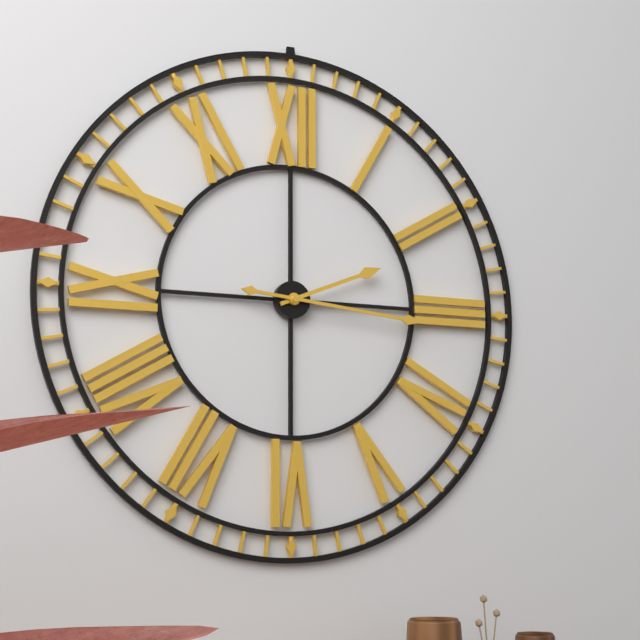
2:16
